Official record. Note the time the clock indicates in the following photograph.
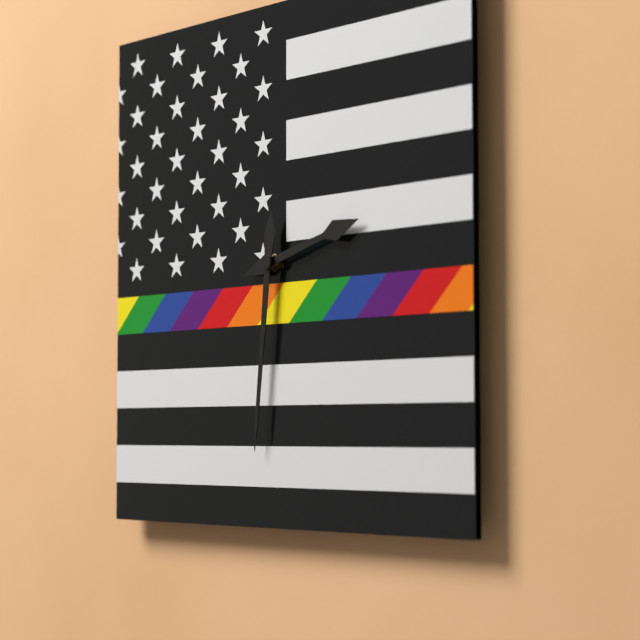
2:31
